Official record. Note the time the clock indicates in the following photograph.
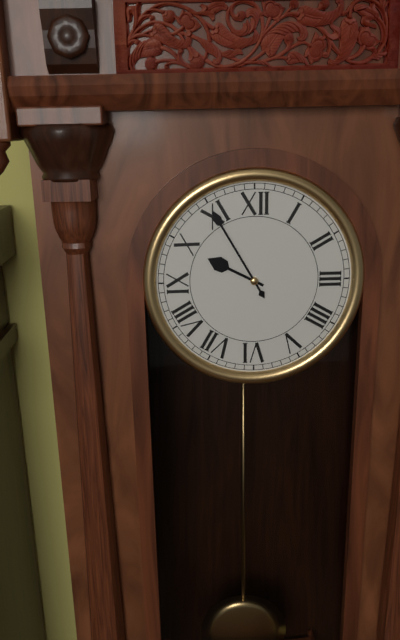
9:55
